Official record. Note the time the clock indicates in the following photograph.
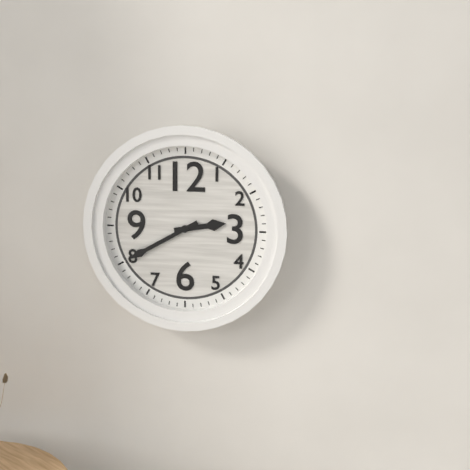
2:40
